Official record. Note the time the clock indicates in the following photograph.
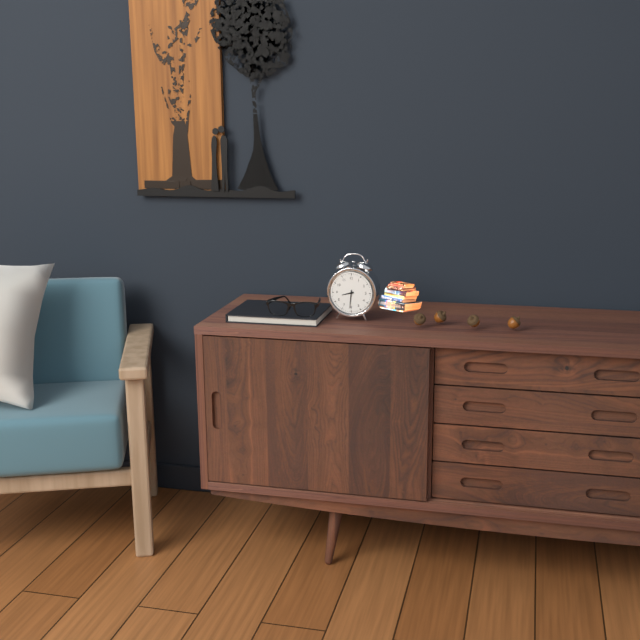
8:31
